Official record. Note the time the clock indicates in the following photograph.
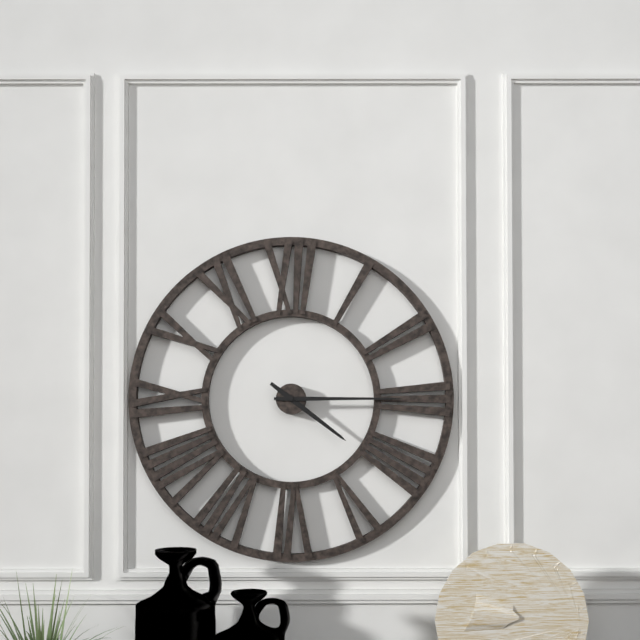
4:15
